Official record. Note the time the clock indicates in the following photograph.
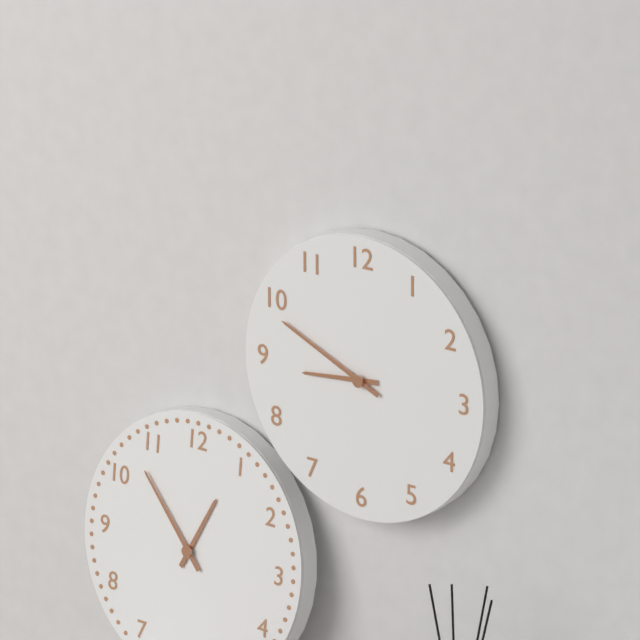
8:49
